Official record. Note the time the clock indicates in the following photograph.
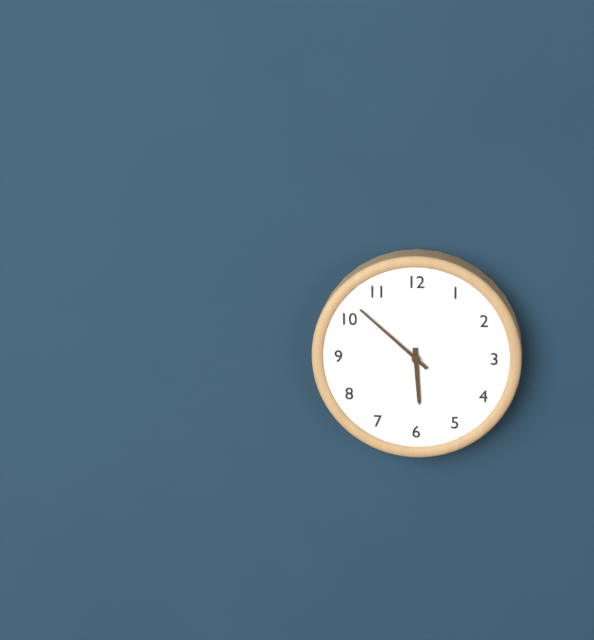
5:52
